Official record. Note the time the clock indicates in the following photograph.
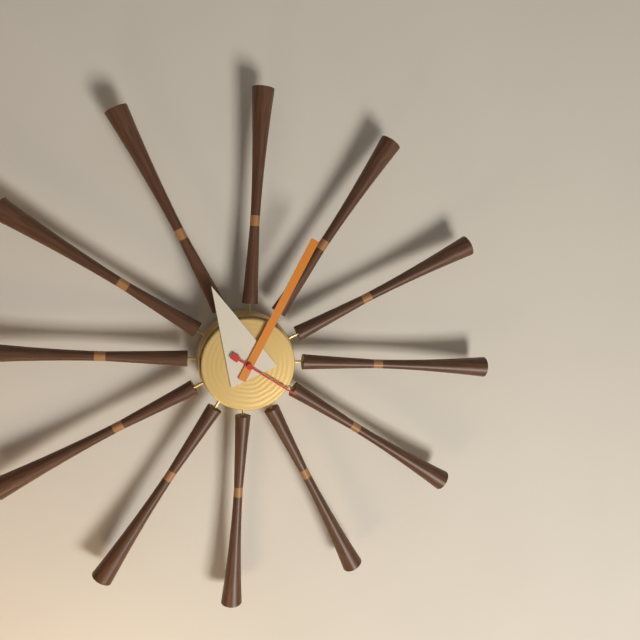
11:04:20
